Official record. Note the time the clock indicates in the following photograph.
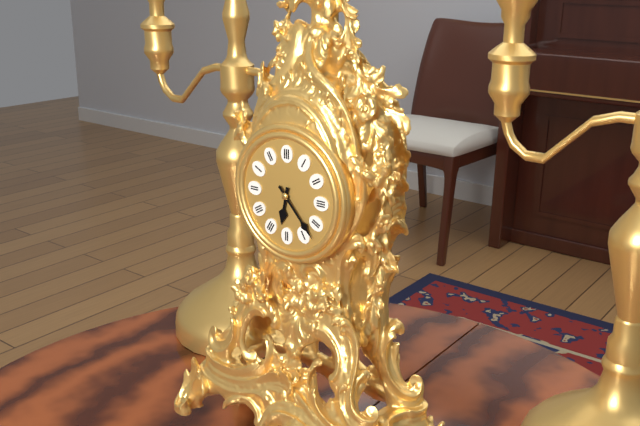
6:23
